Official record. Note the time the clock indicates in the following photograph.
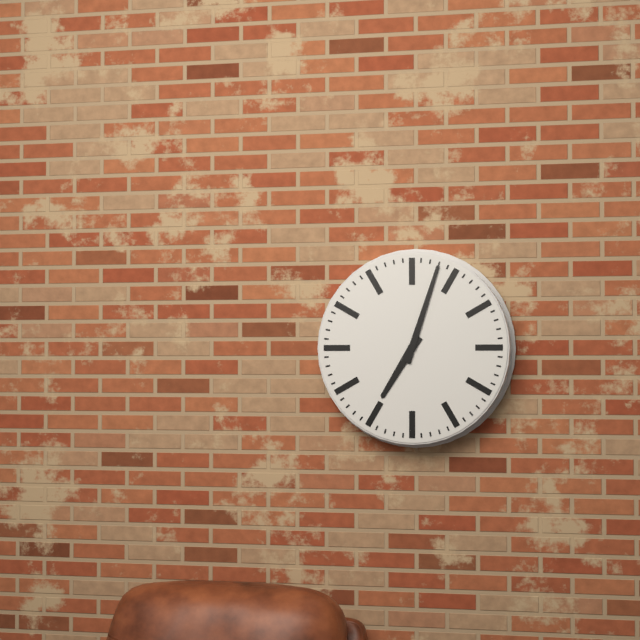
7:03
